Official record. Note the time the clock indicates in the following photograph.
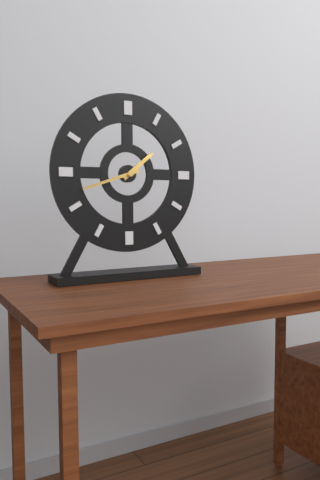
1:42
